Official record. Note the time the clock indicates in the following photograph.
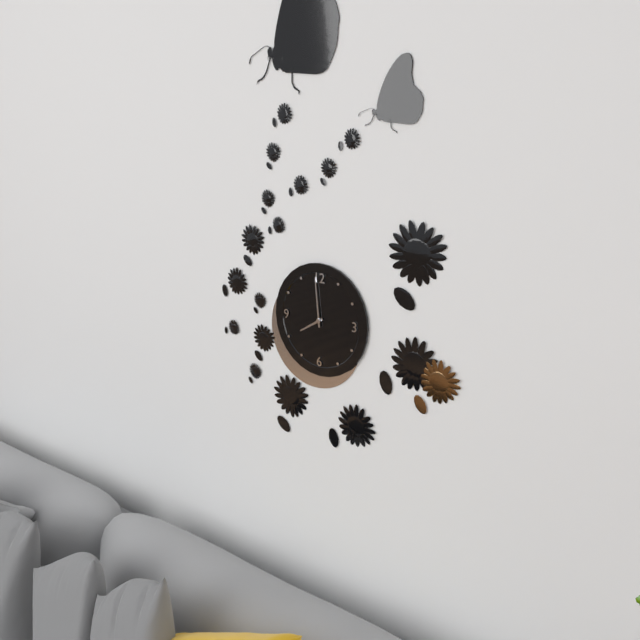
7:59
